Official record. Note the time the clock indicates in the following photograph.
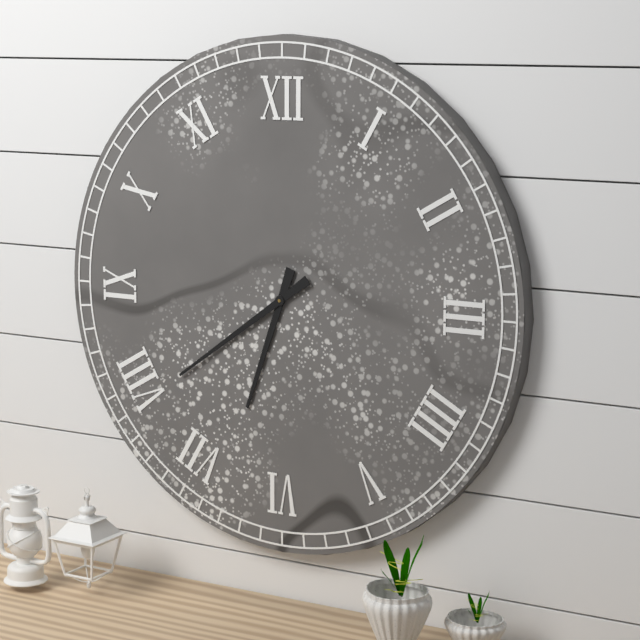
6:39
